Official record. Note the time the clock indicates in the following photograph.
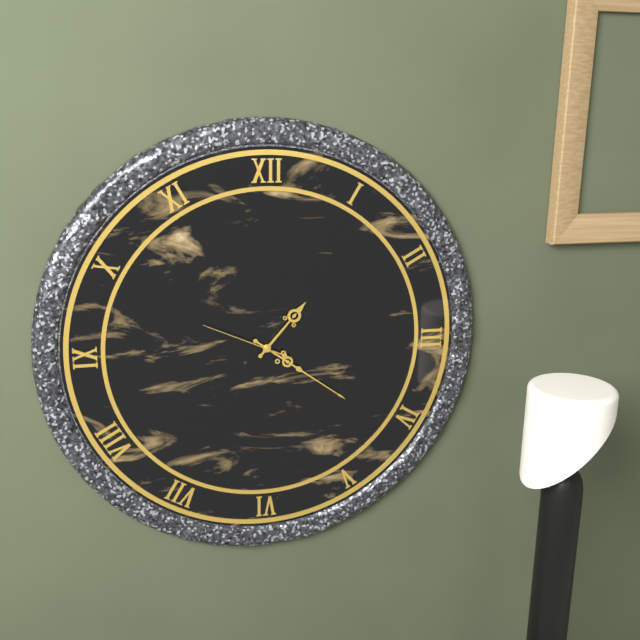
1:21:49
